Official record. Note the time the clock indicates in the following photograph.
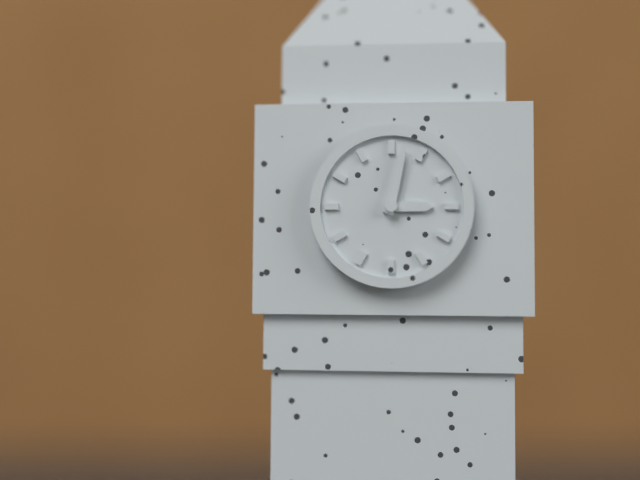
3:02
